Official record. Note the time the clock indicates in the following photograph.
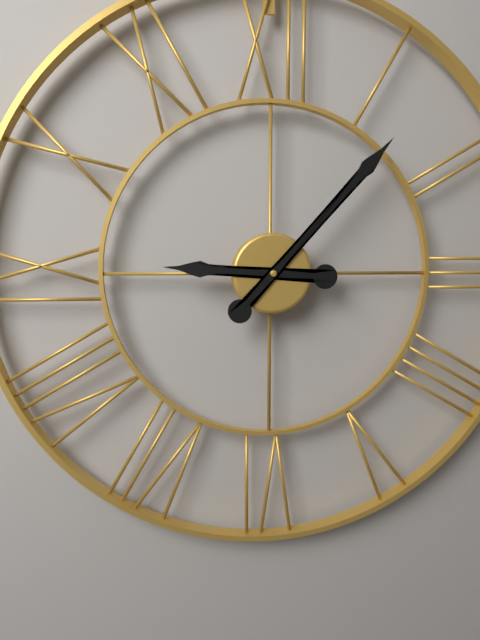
9:07
